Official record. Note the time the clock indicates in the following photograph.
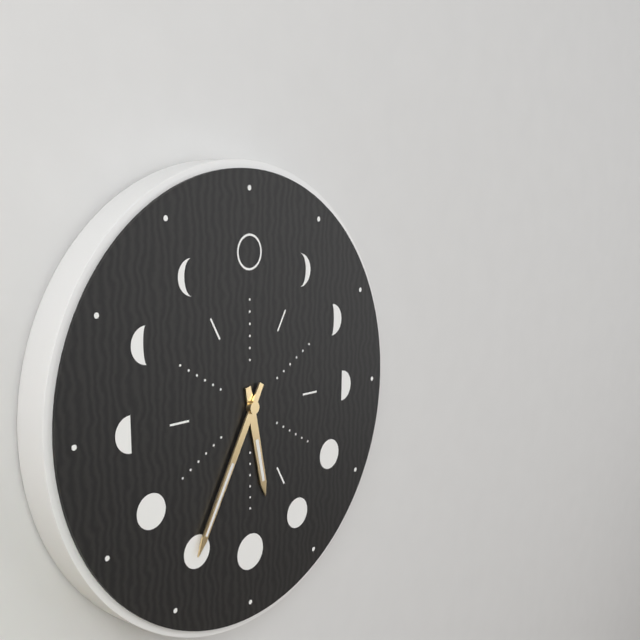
5:35
